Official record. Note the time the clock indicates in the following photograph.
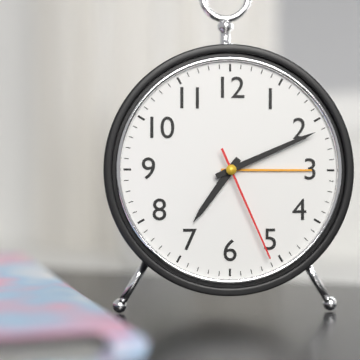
7:11:26
